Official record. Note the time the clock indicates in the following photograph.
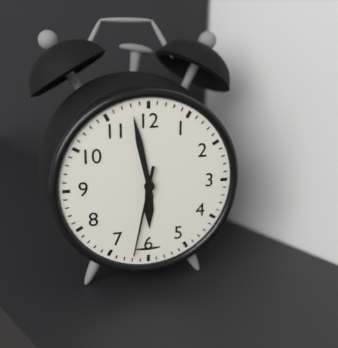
5:58:32
